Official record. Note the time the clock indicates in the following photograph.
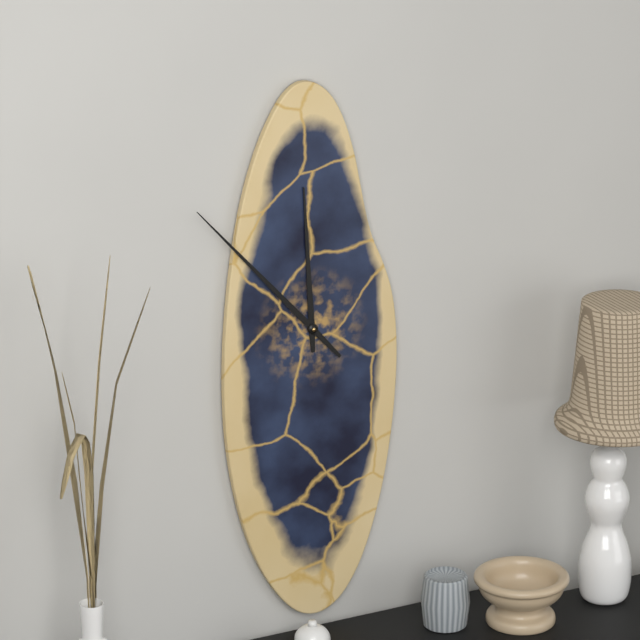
11:53
